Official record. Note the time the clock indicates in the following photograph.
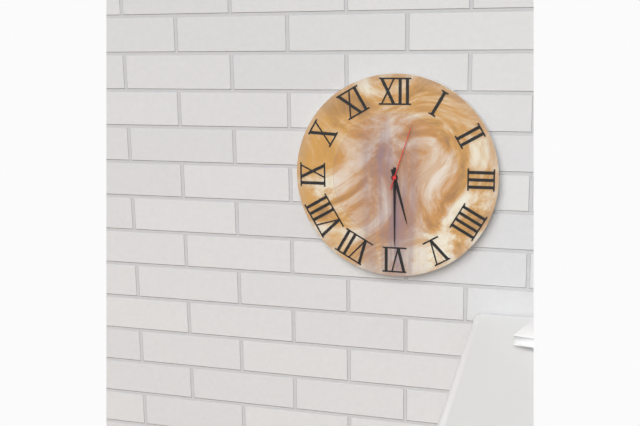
5:30:03
